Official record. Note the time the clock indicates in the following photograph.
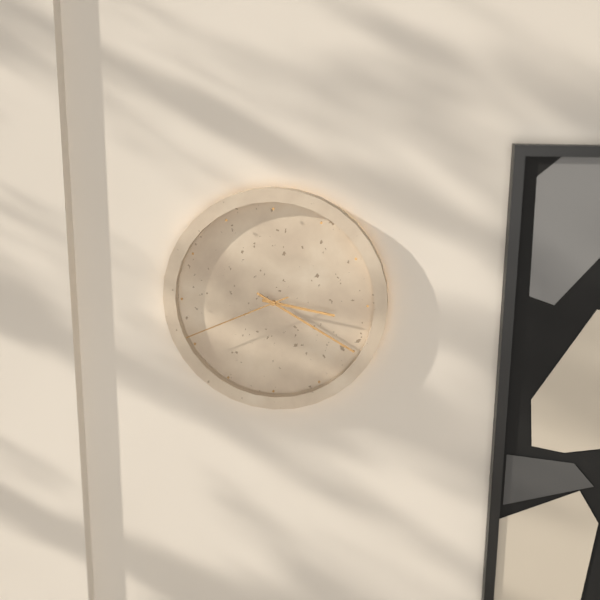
3:20:41
